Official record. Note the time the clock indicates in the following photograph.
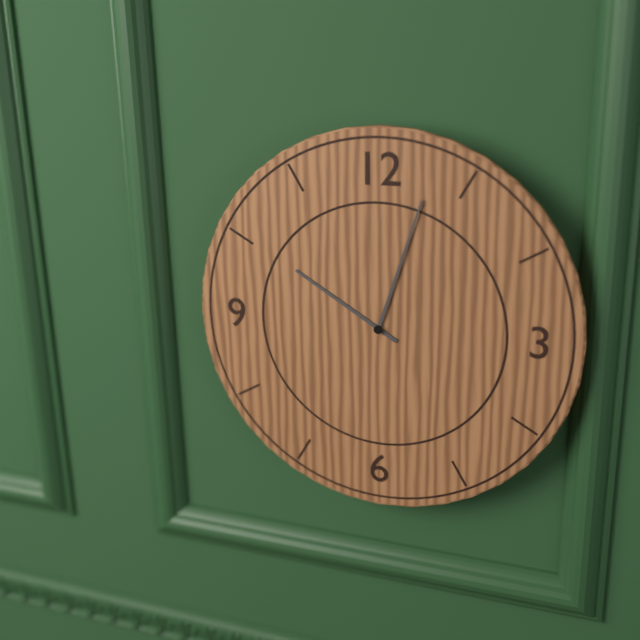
10:03
